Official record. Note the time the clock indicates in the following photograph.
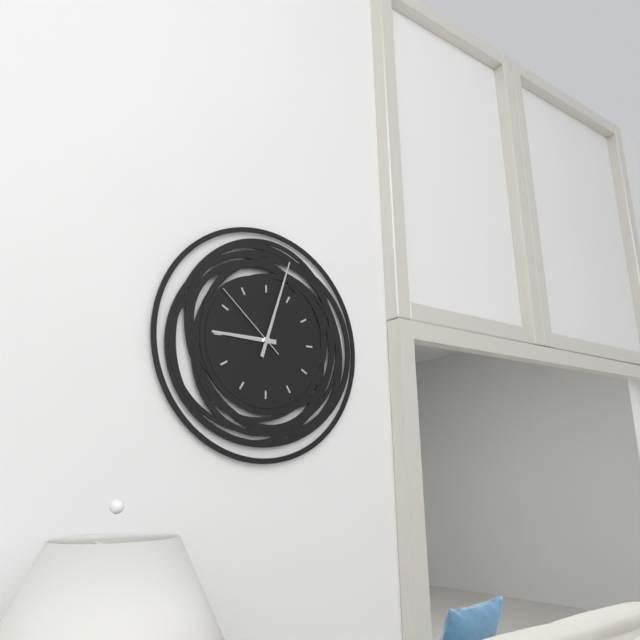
9:03:52
